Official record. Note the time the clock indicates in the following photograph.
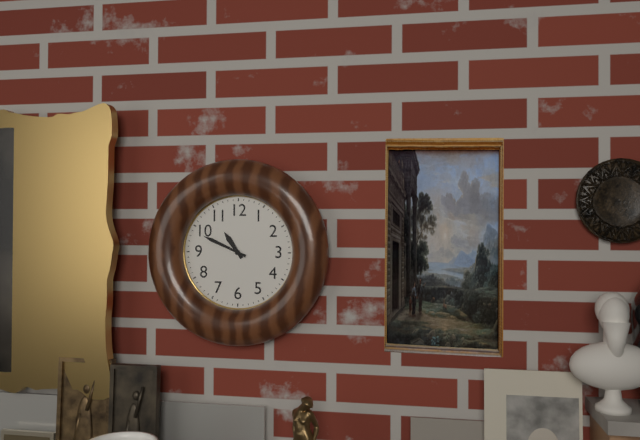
10:49
